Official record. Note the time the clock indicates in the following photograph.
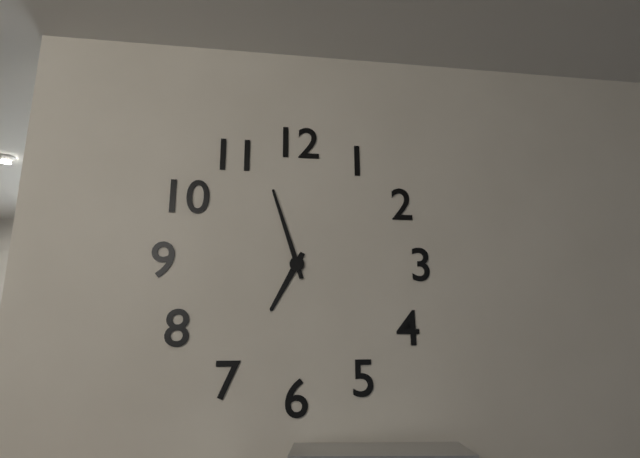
6:57
